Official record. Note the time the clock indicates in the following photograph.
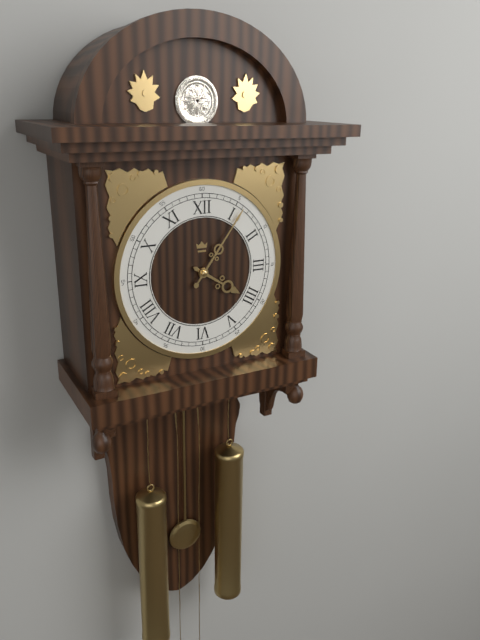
4:06
